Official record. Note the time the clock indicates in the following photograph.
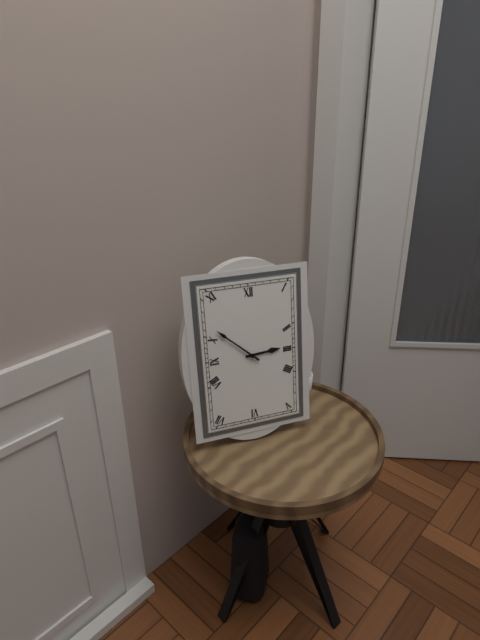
2:52
